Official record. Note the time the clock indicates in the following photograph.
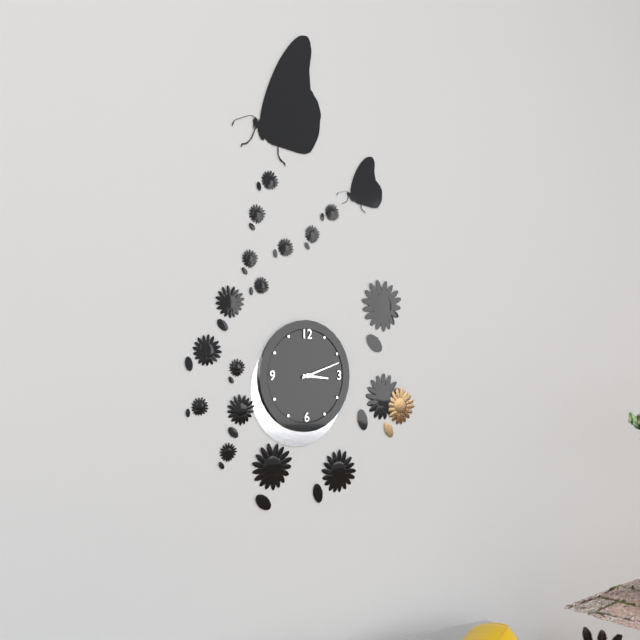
3:12
